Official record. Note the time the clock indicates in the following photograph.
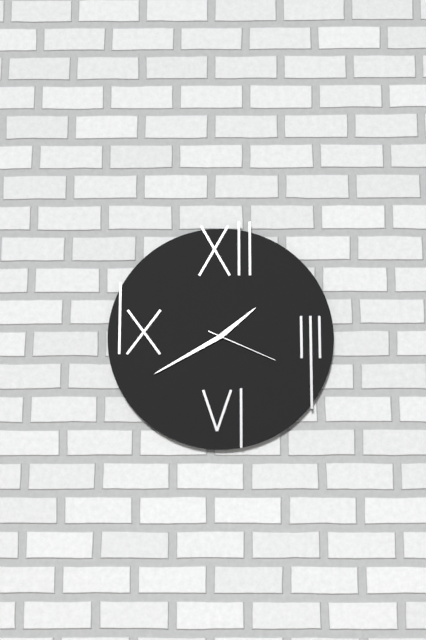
1:40:19
